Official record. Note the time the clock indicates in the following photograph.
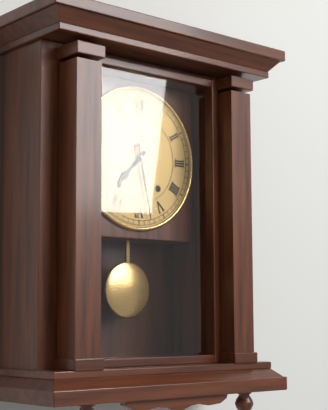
7:28
